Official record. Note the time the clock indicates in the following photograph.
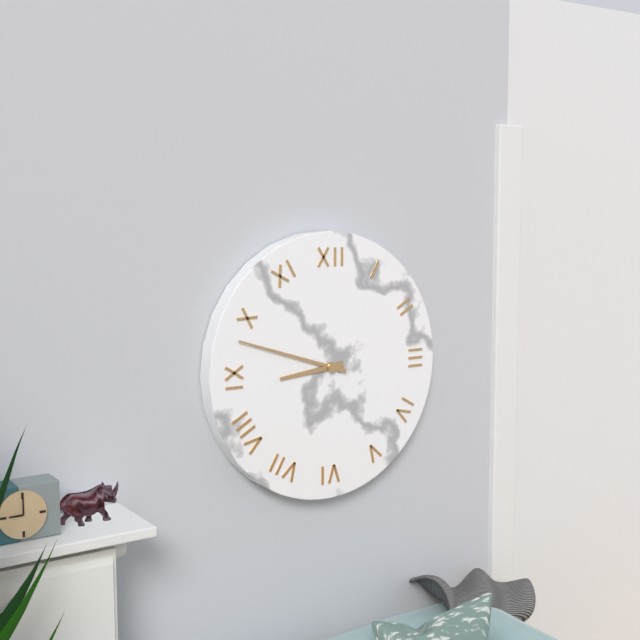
8:48
